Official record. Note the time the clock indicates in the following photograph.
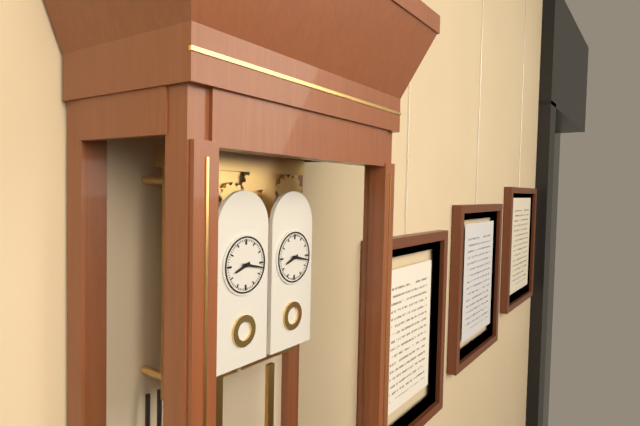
8:17
